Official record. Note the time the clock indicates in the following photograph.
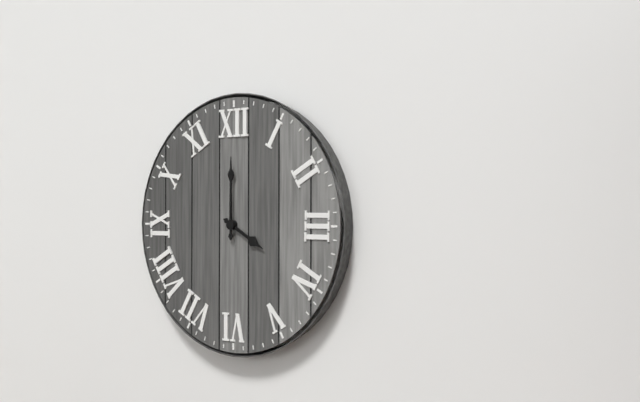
4:00
